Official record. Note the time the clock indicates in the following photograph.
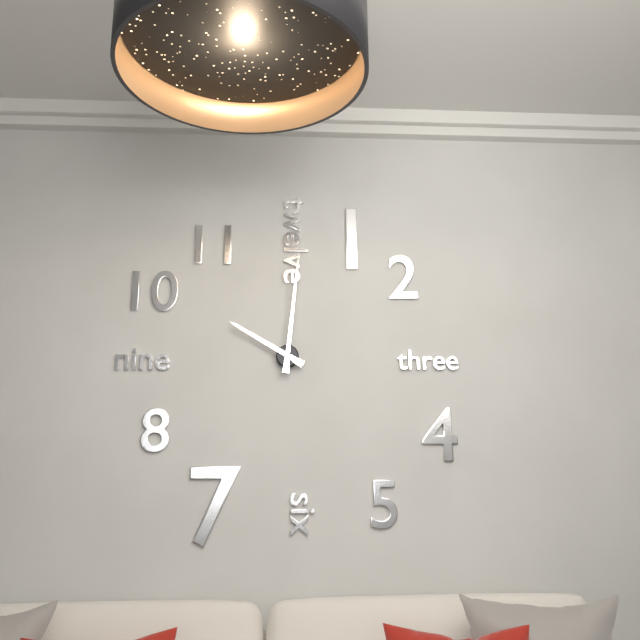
10:01
